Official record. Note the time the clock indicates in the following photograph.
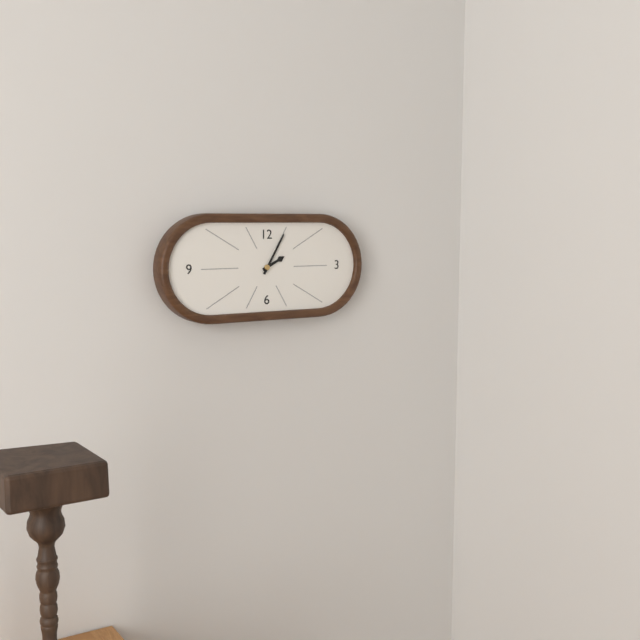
2:05
